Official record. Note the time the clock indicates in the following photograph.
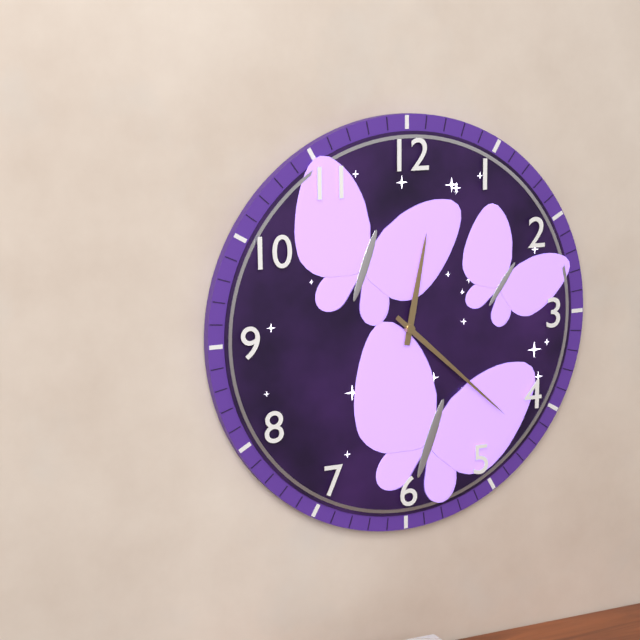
12:22
